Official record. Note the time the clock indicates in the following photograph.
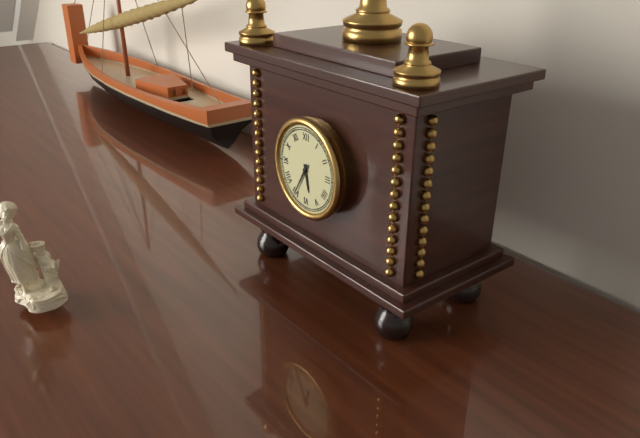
5:35
